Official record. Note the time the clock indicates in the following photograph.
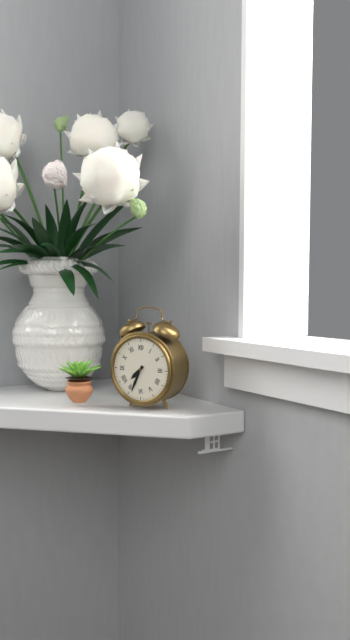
7:34
